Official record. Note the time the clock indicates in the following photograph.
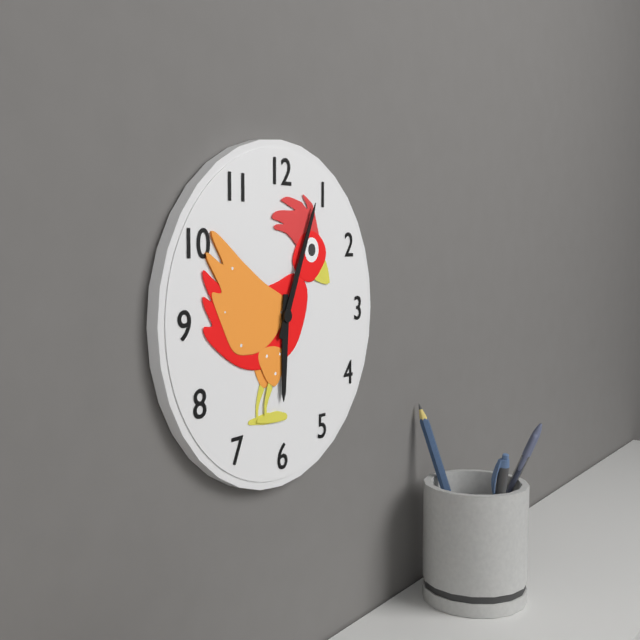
6:04
